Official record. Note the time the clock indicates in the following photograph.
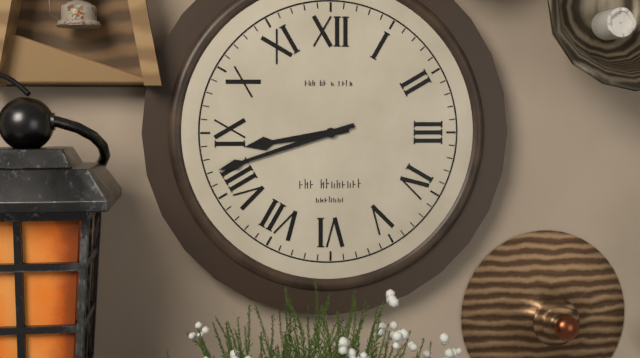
8:42
